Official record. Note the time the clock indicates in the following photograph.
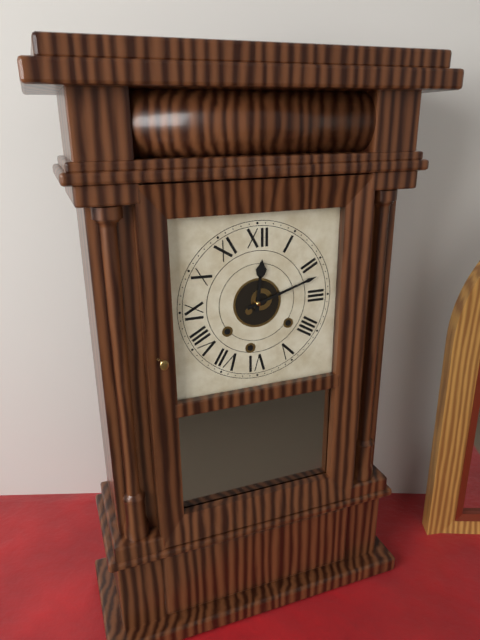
12:12
